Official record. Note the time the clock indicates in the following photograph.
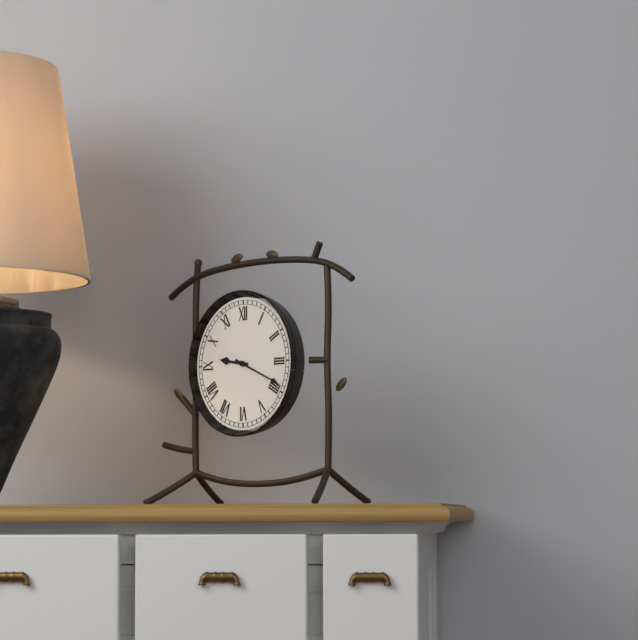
9:19
